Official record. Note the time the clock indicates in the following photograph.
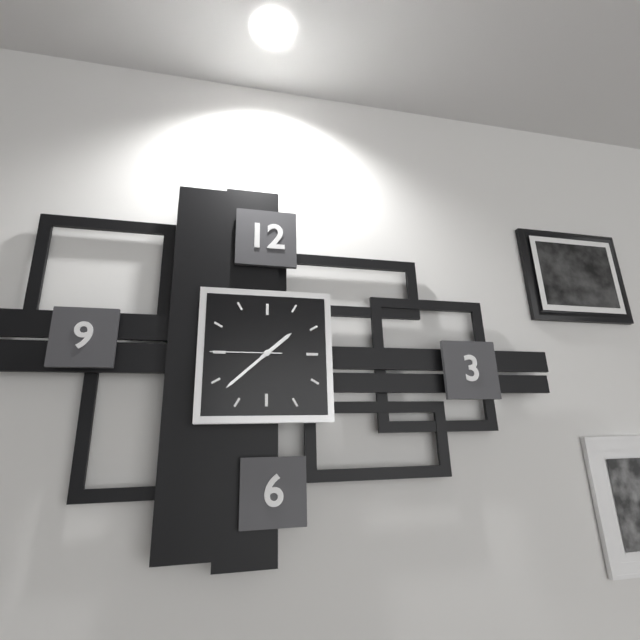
1:38:45
